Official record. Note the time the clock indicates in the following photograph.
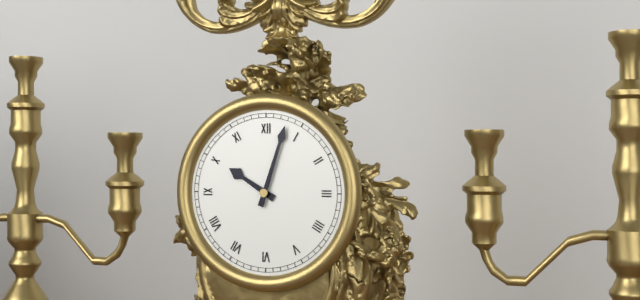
10:03
